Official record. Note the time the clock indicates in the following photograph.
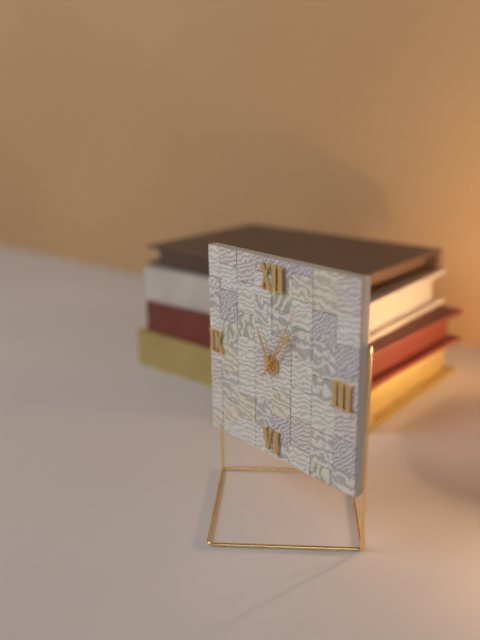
11:06:05
